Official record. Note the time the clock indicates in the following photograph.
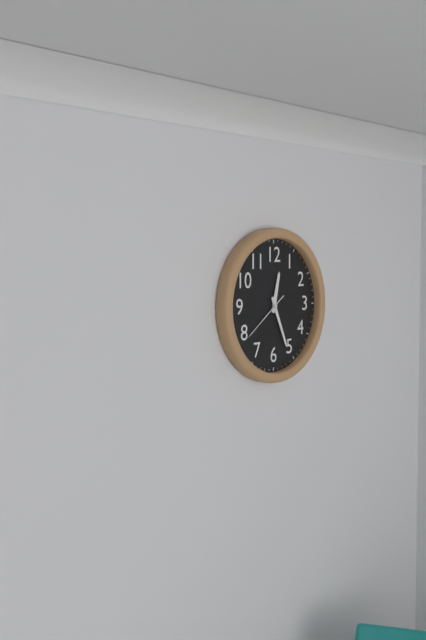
12:26:39
